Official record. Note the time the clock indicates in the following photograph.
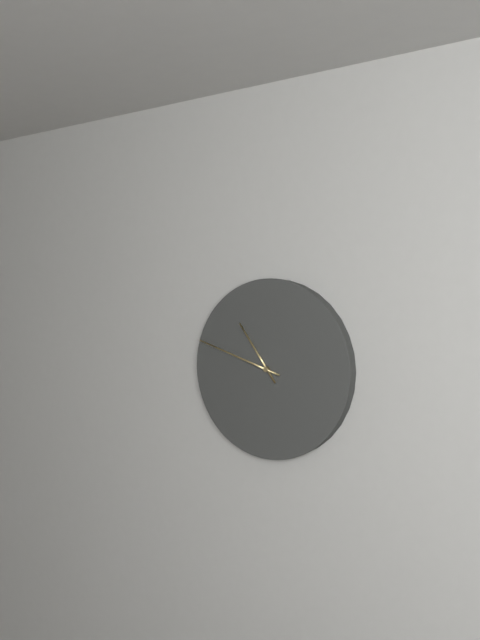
10:48
